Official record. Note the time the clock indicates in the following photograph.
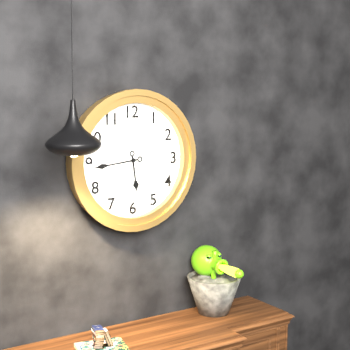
5:44
